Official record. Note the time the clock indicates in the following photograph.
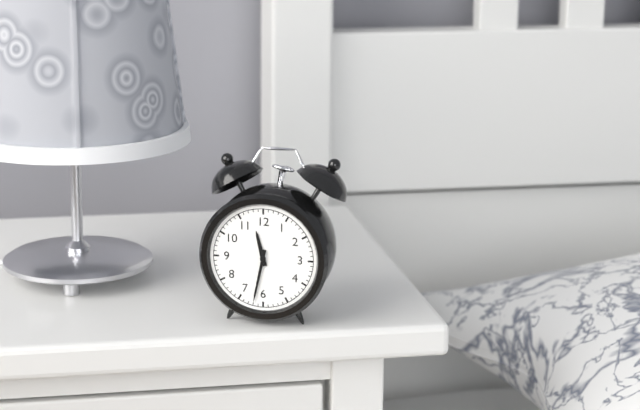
11:32
